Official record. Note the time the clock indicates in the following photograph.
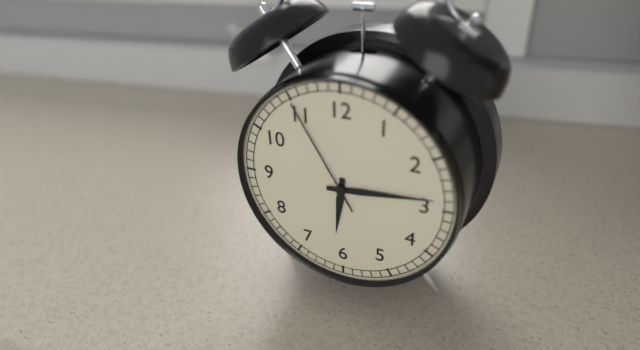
6:14:55
